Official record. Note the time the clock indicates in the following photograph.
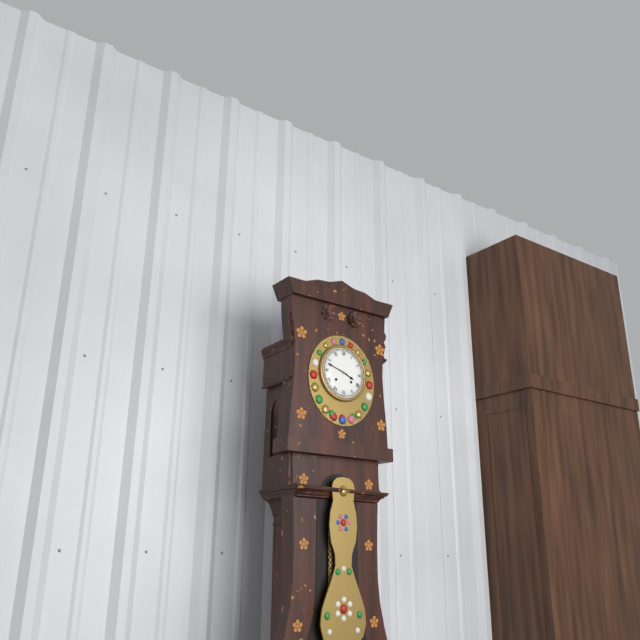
3:48
